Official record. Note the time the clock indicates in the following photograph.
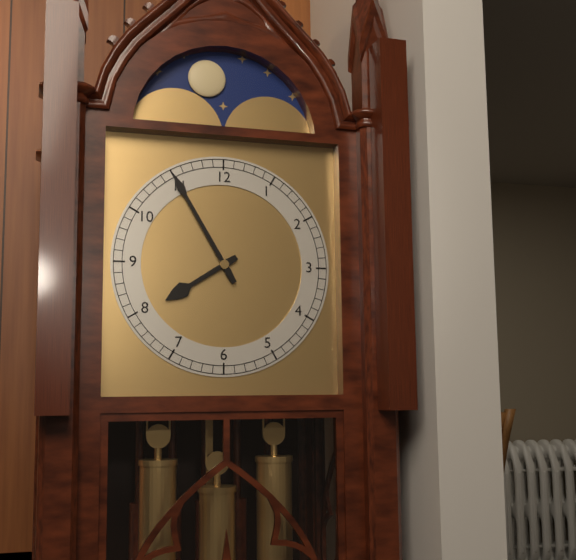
7:55
